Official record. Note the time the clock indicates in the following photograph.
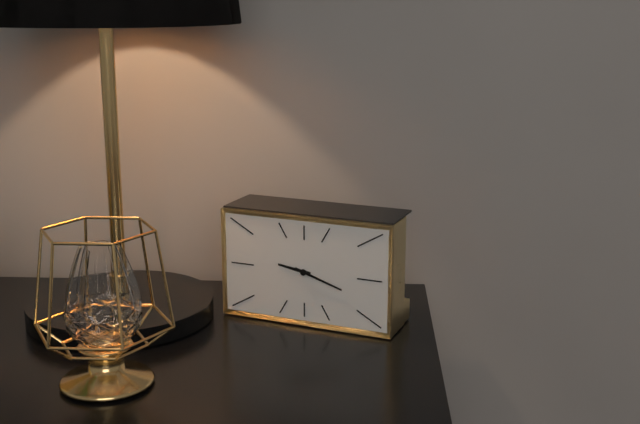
9:18
